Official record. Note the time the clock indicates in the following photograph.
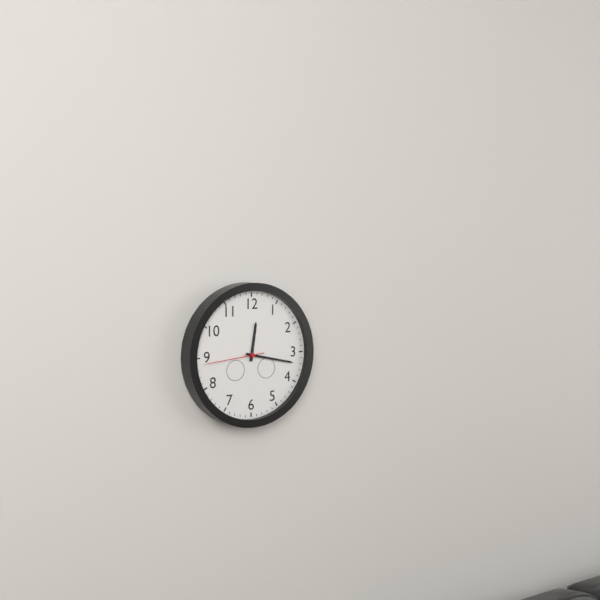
12:17:44
